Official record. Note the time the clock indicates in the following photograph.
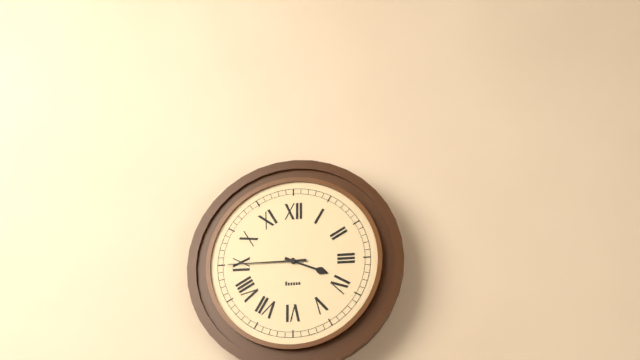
3:45
